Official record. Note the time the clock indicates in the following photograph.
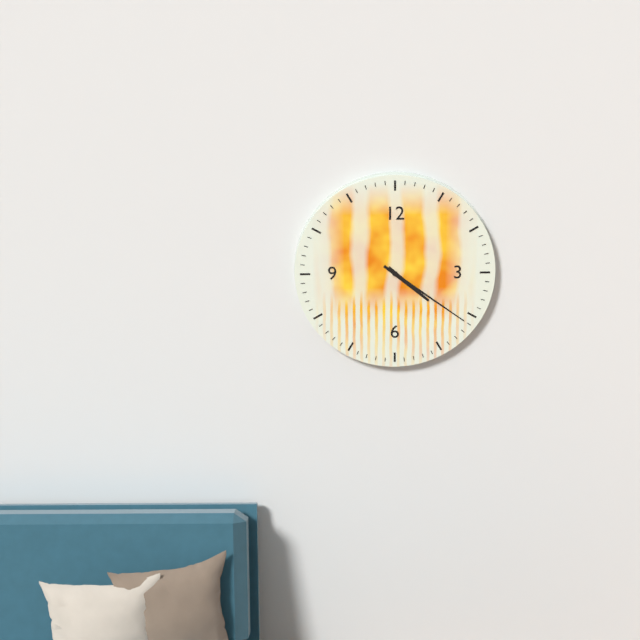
4:21
